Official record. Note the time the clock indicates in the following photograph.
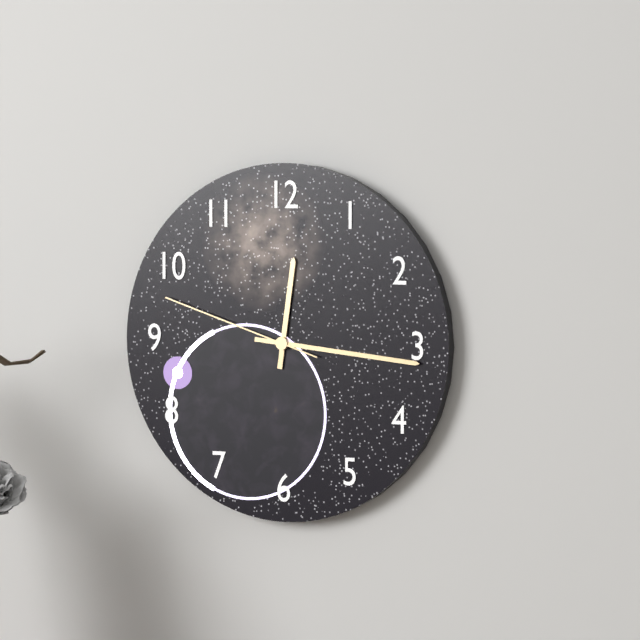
12:16:48
